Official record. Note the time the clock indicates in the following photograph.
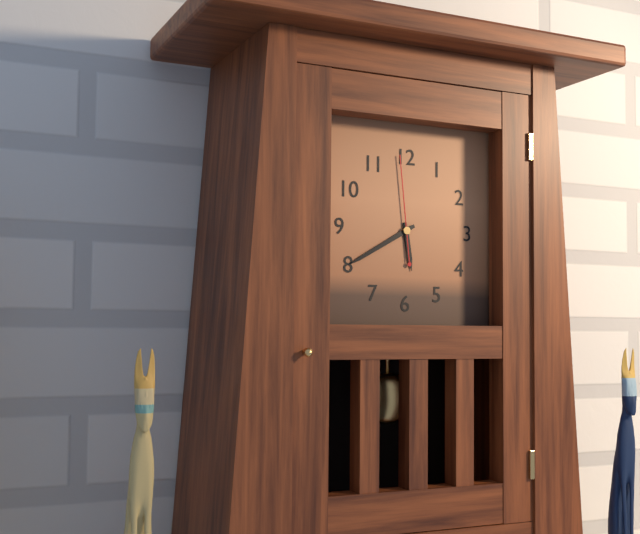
5:40:59
